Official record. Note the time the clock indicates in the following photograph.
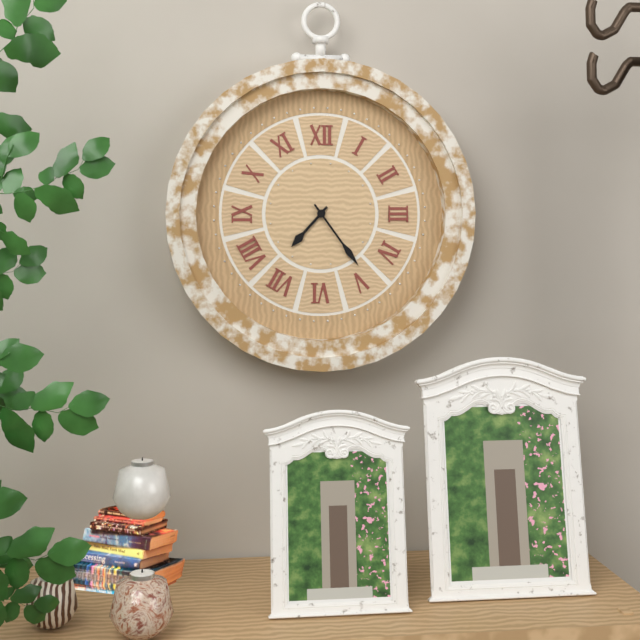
7:24
